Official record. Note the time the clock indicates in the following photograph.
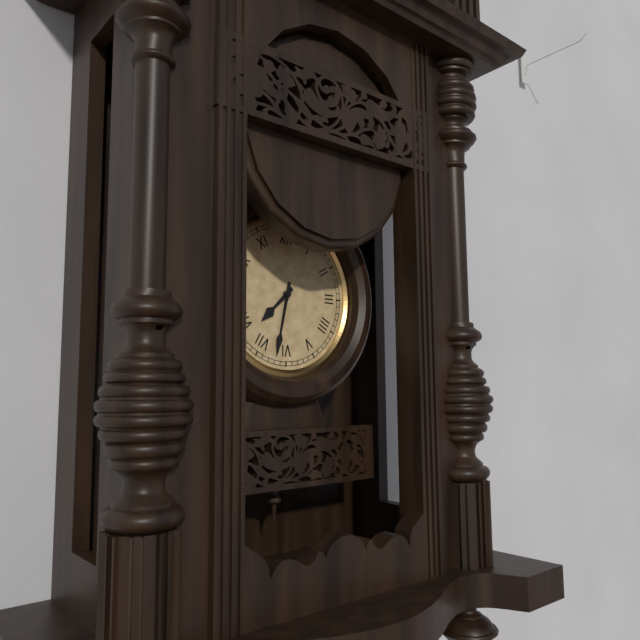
7:32
